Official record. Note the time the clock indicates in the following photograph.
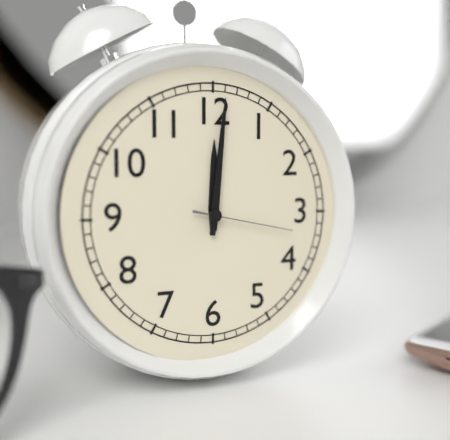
12:01:17
